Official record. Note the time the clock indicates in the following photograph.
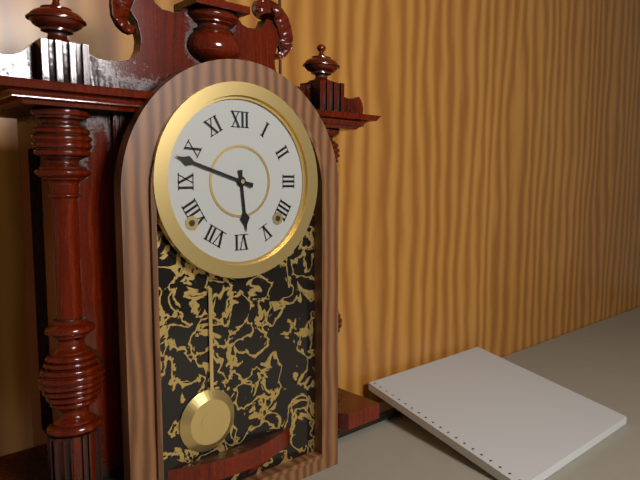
5:48
